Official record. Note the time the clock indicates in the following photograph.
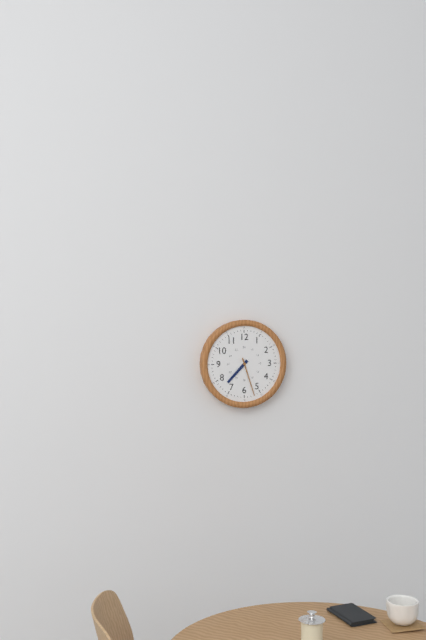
7:27
